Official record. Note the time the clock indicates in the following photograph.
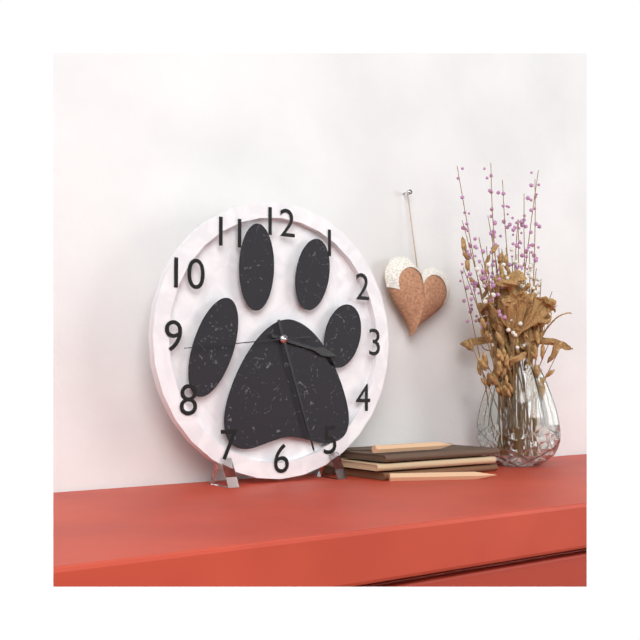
3:27:44
